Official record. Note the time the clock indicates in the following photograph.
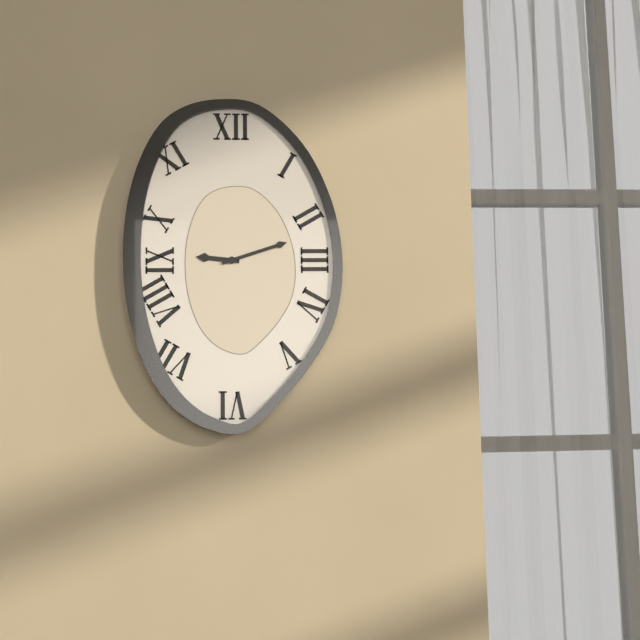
9:12
